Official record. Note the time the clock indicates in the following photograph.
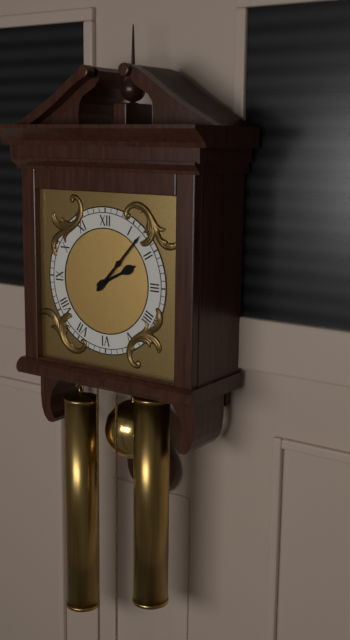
2:07
